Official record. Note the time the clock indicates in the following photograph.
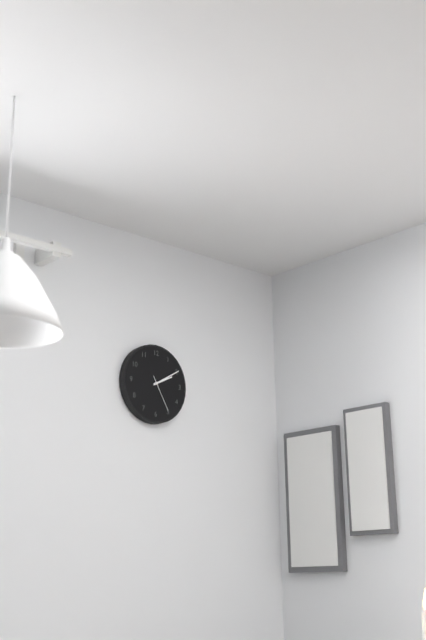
2:10
